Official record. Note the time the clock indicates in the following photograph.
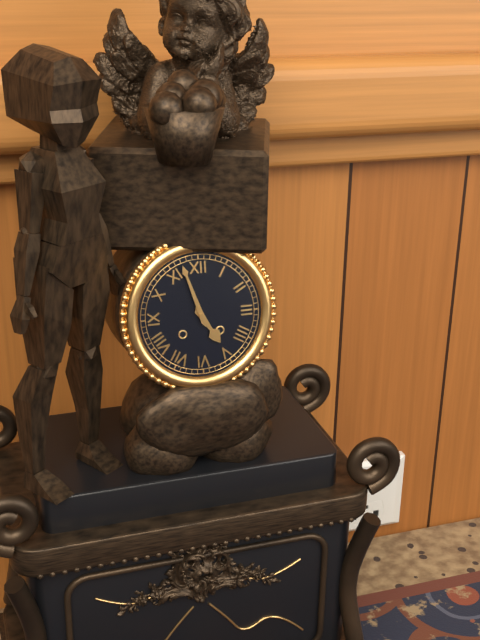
4:57
